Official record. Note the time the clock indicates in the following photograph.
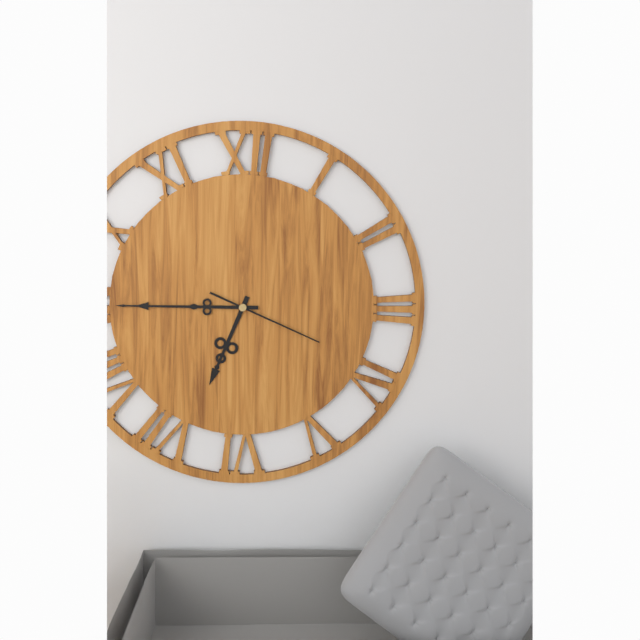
6:45:19
